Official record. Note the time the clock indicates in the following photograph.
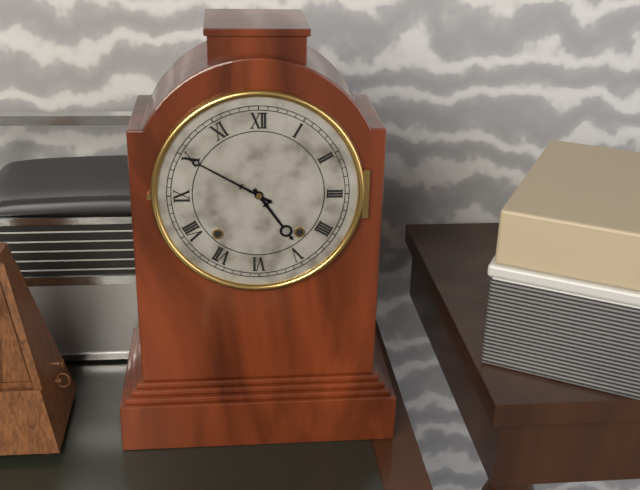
4:50
